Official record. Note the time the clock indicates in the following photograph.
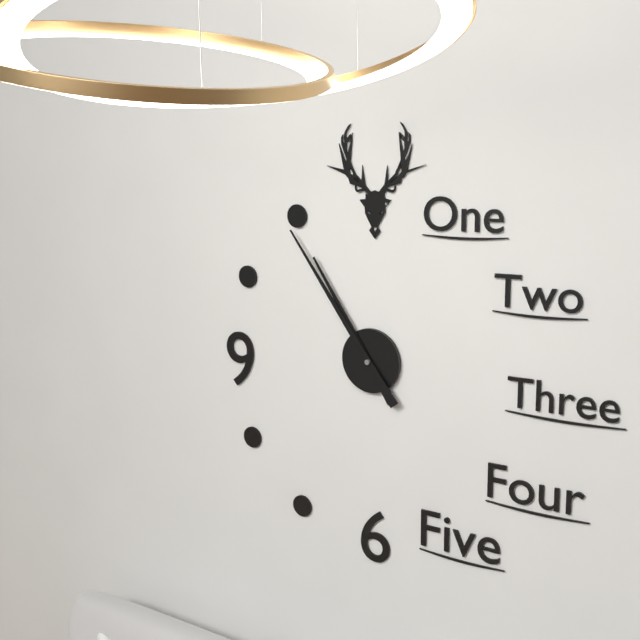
10:54
